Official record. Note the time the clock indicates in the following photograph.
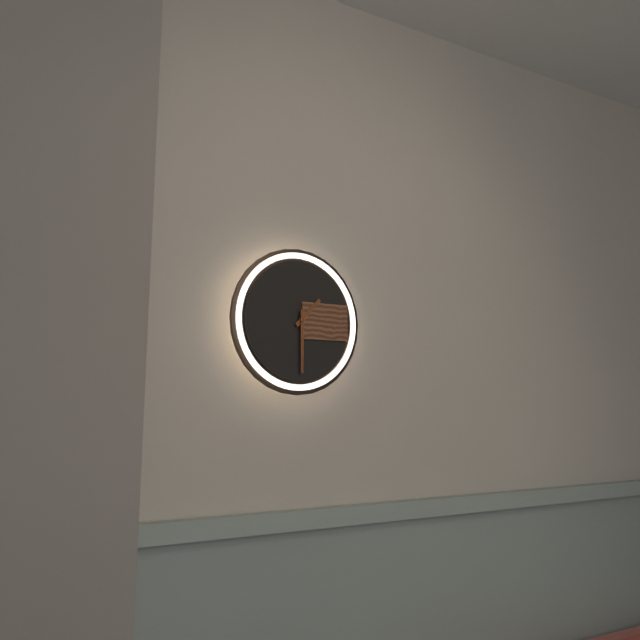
1:30
